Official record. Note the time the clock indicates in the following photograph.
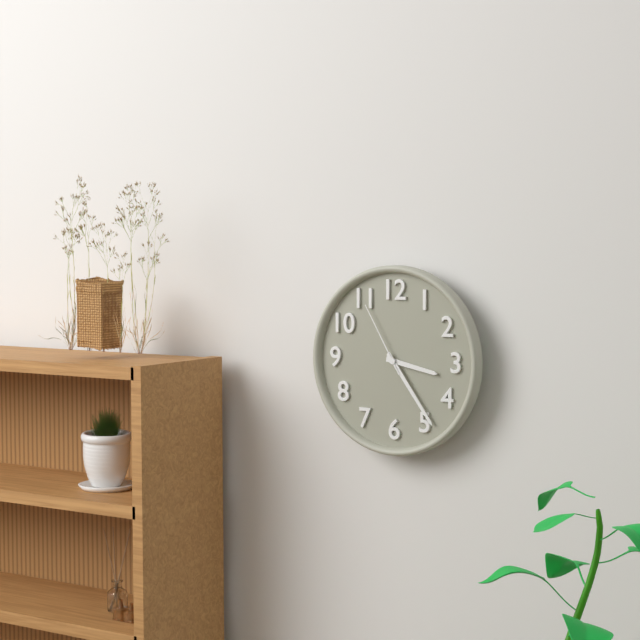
3:24:55
